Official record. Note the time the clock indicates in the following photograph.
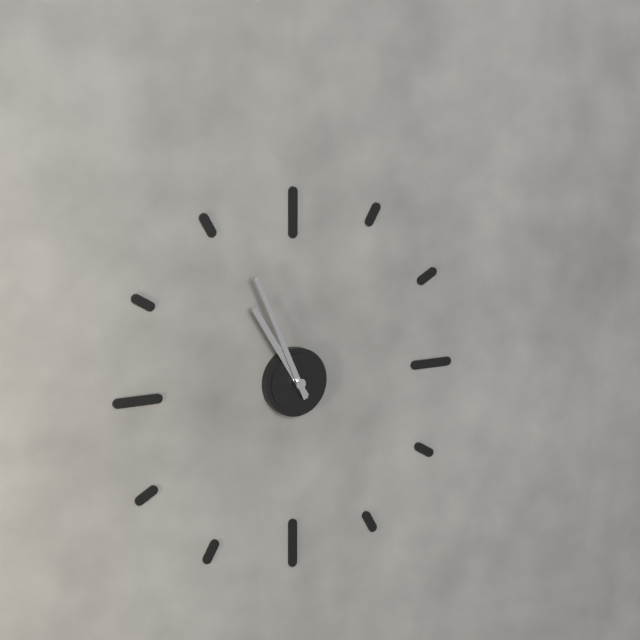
10:56
